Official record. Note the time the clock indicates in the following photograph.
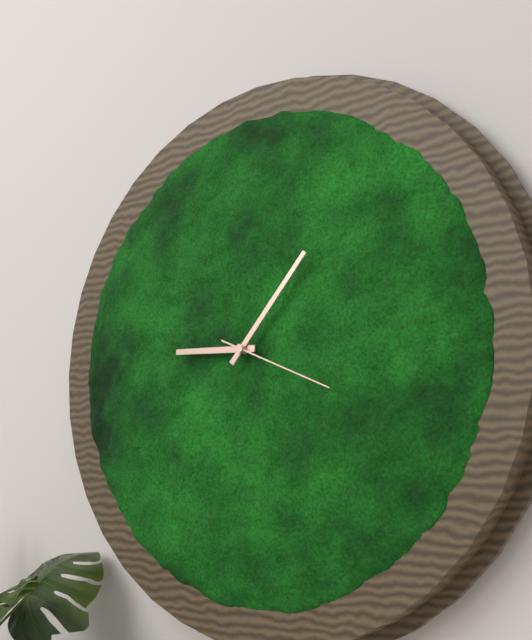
9:07:19
